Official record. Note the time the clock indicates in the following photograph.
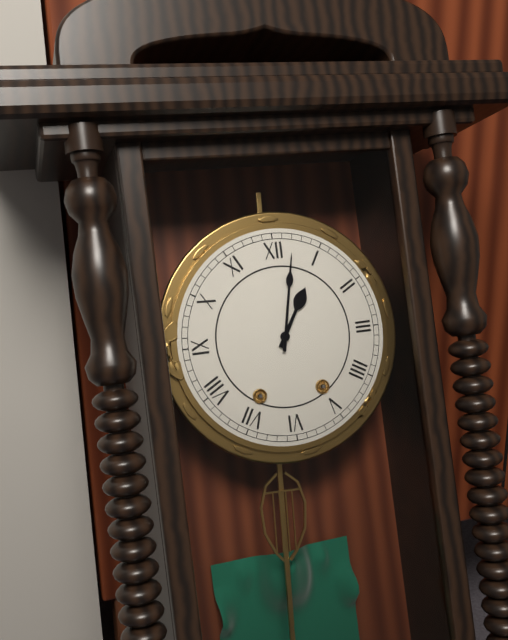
1:02
